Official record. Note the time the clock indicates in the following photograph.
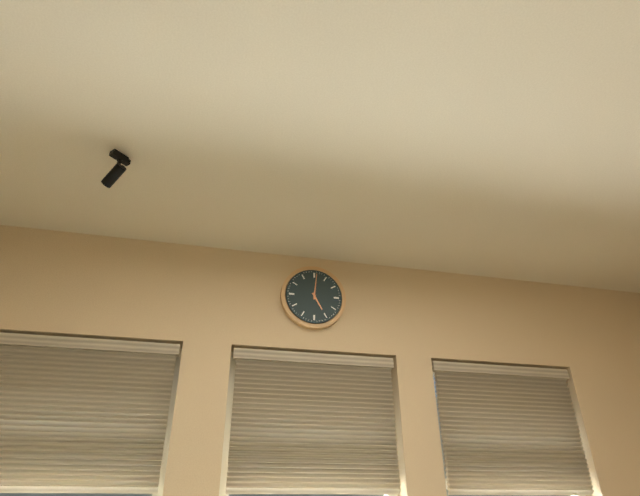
5:01
